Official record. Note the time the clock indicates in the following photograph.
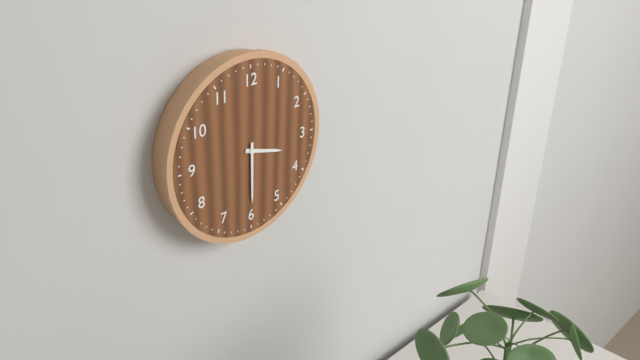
3:30
